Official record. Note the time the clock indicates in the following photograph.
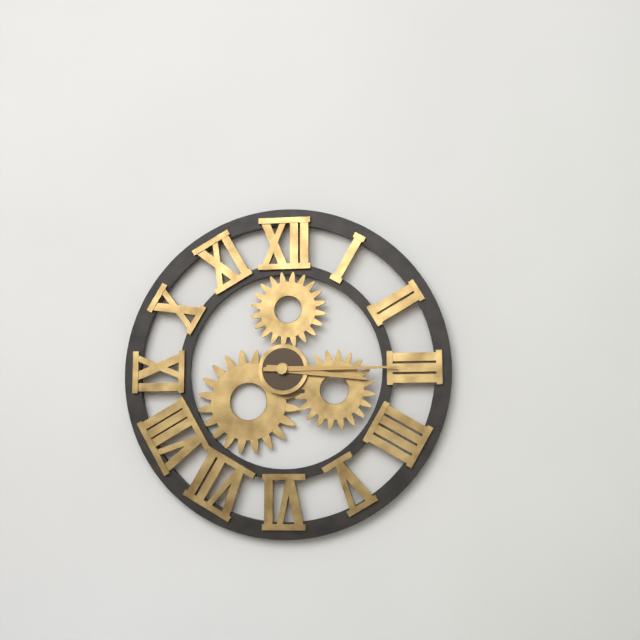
3:15
